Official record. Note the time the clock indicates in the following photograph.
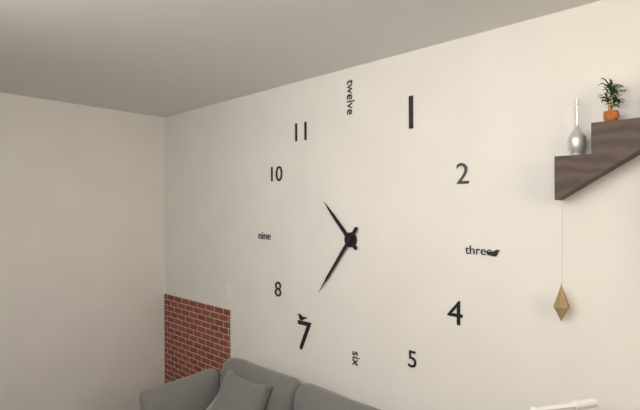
10:36
